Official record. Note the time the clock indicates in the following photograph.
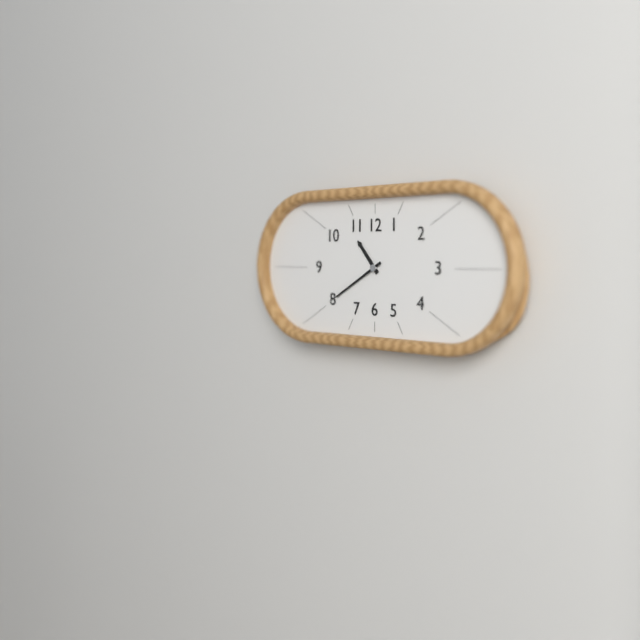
10:40
